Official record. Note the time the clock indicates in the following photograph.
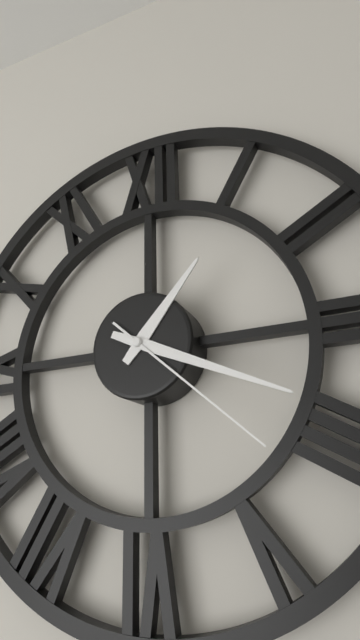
1:19:22
